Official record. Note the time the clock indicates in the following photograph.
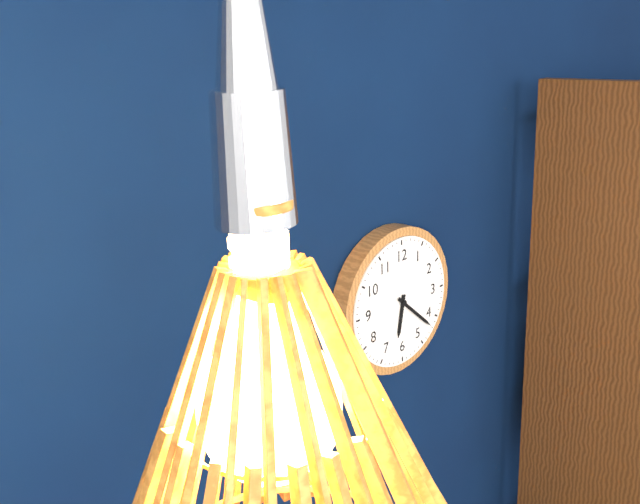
6:22
